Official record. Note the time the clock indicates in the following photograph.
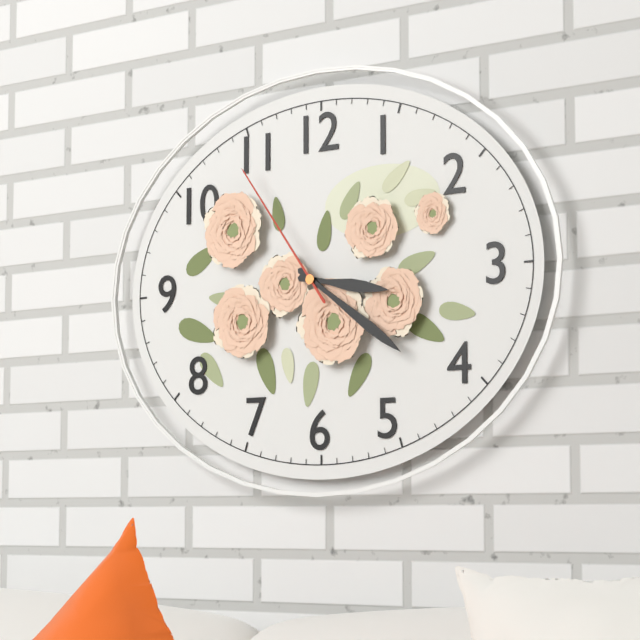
3:21:54
